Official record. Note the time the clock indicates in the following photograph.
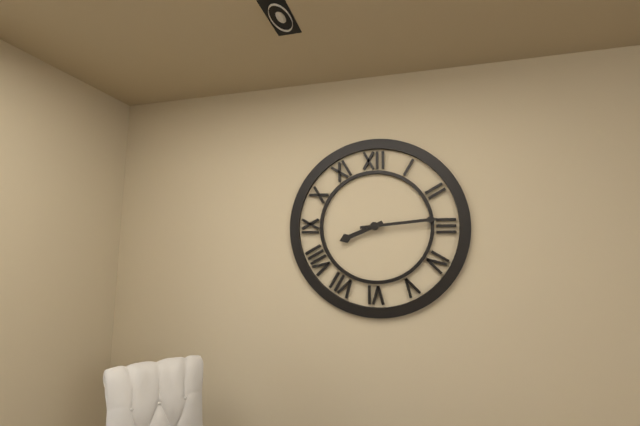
8:14
